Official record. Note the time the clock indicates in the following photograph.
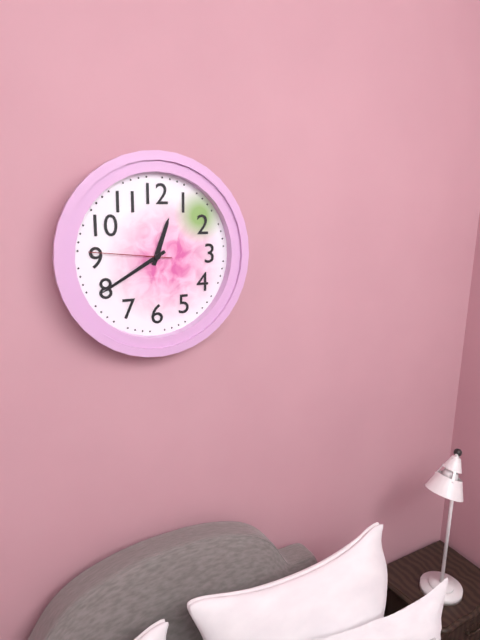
12:40:46
